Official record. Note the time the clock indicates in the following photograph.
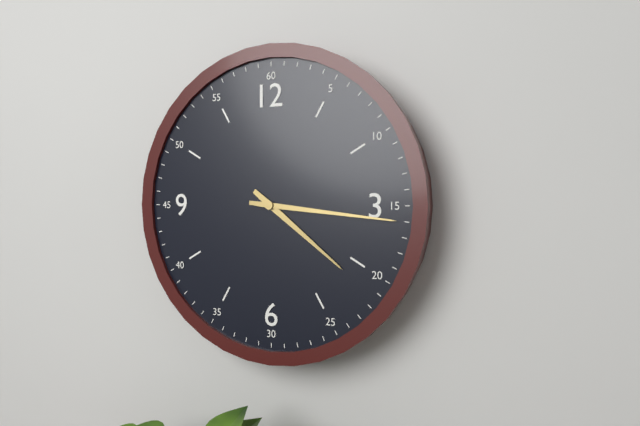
4:16
